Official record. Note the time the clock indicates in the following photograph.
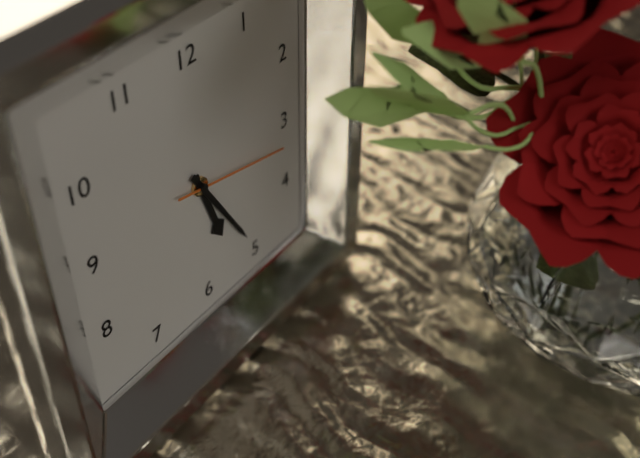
5:25:17
